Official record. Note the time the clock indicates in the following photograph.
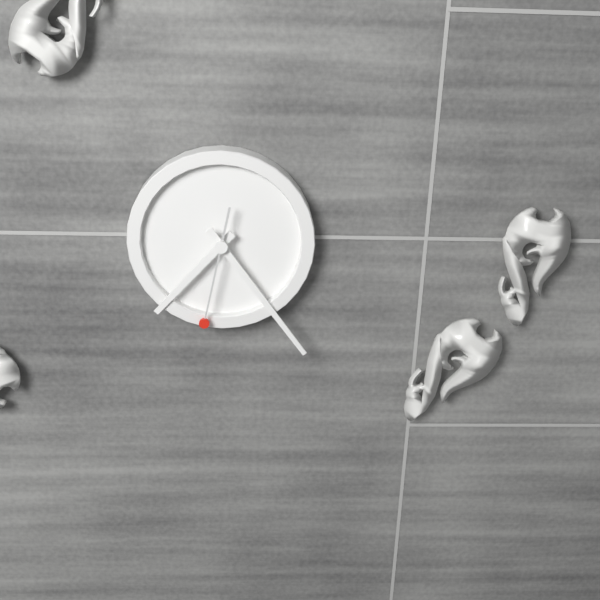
7:24:32
